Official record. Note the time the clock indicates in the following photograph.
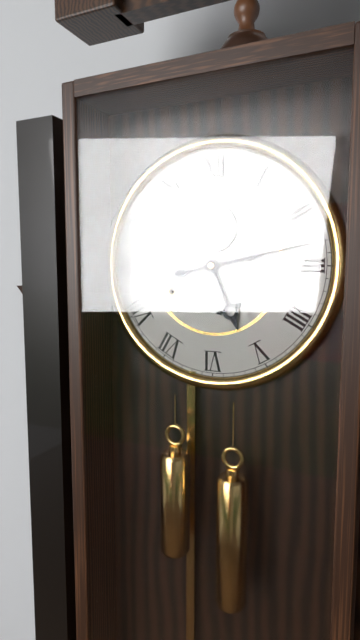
5:13
